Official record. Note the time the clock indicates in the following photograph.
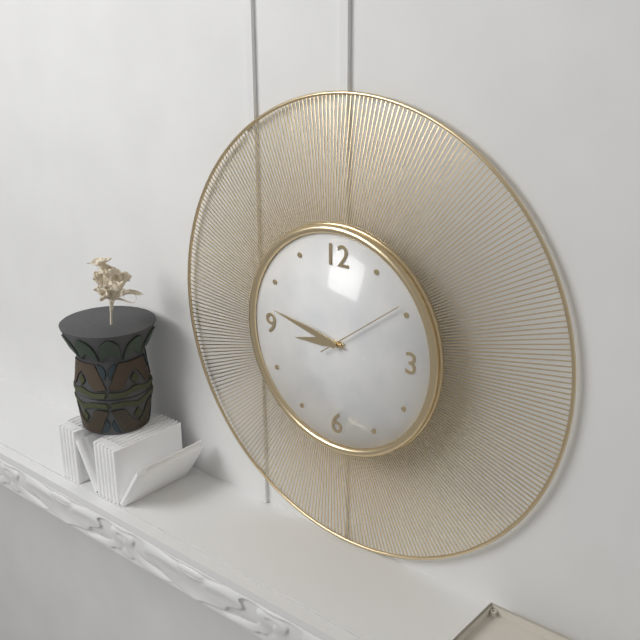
8:47:09
